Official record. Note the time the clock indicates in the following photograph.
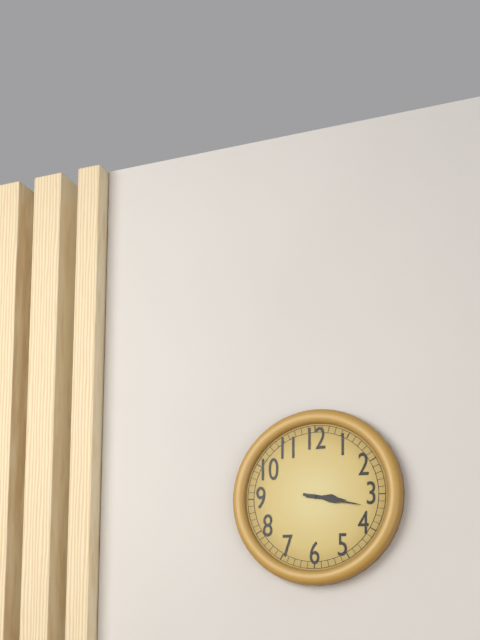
3:17
